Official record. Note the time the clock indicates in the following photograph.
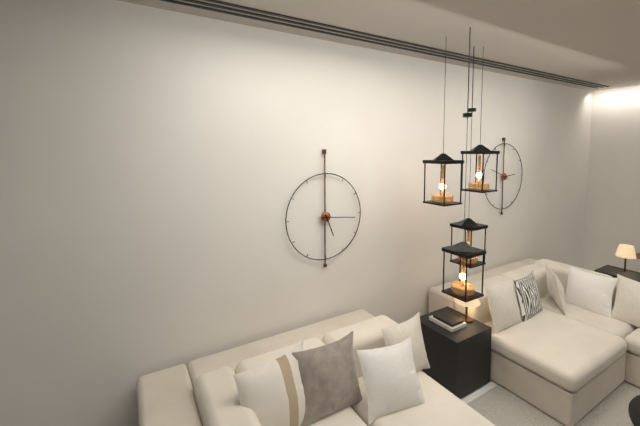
5:16
